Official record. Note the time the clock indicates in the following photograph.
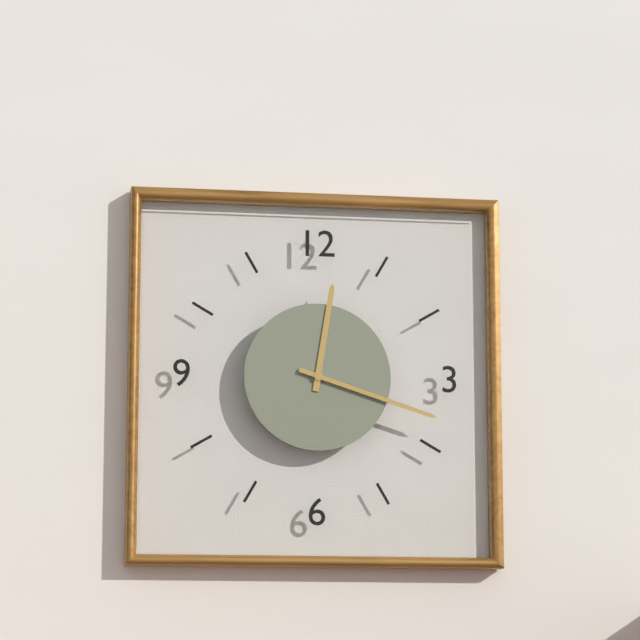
12:18
